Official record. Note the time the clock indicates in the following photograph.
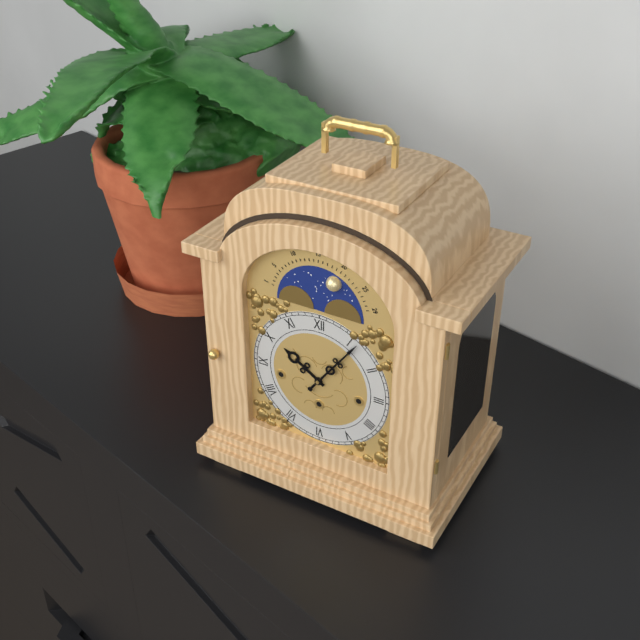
10:06
